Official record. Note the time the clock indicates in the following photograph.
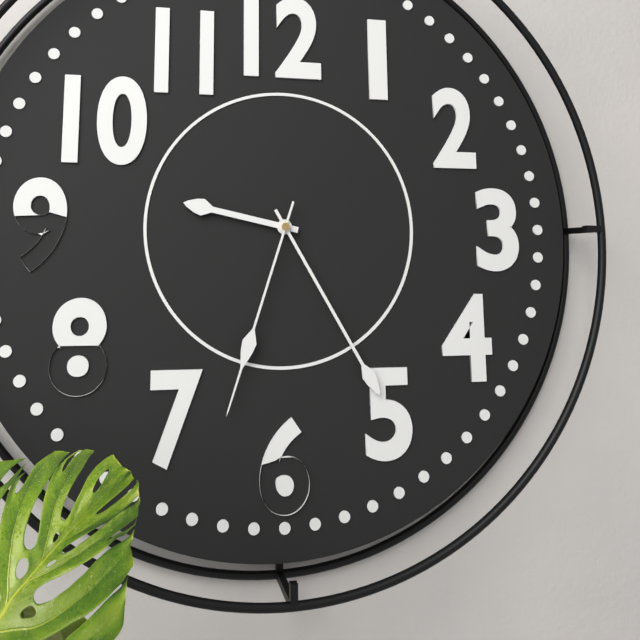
9:25:33
